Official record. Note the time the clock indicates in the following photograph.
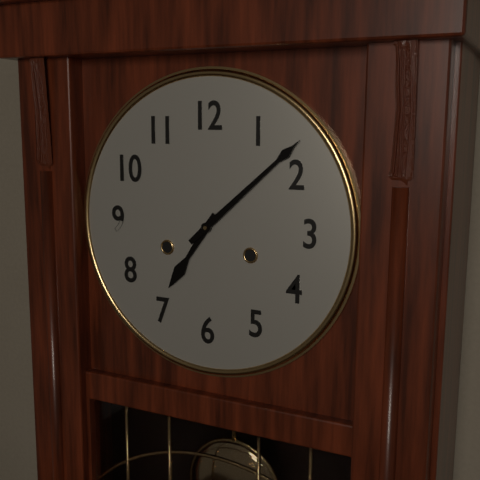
7:08
